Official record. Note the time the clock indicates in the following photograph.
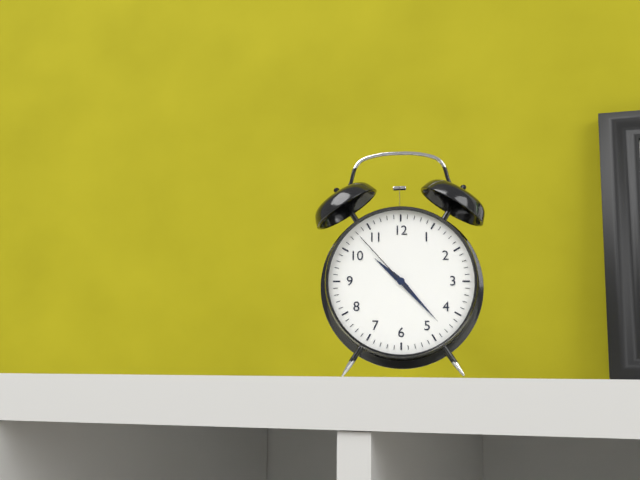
10:23:53
